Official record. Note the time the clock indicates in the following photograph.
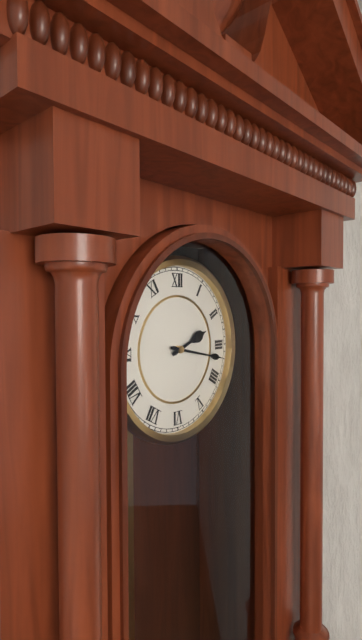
2:17
